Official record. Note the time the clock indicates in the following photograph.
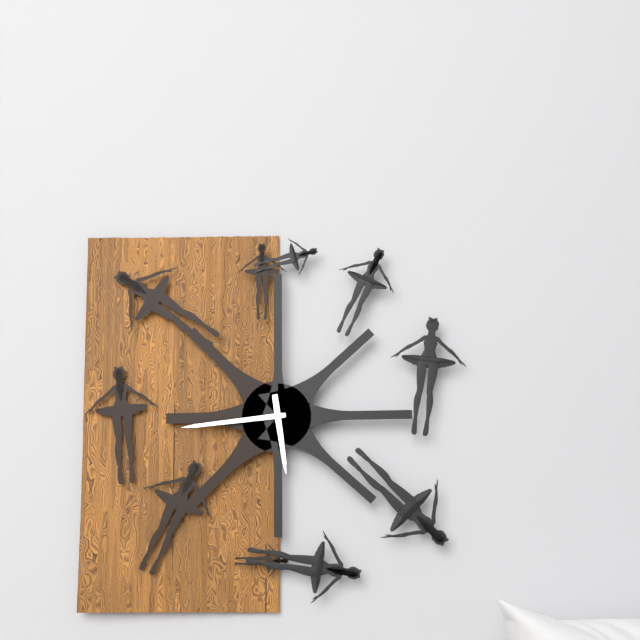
5:44
